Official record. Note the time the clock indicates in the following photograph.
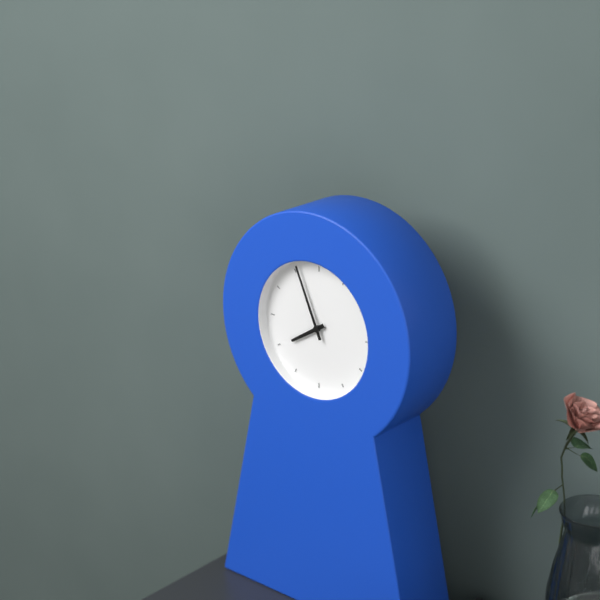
7:56
